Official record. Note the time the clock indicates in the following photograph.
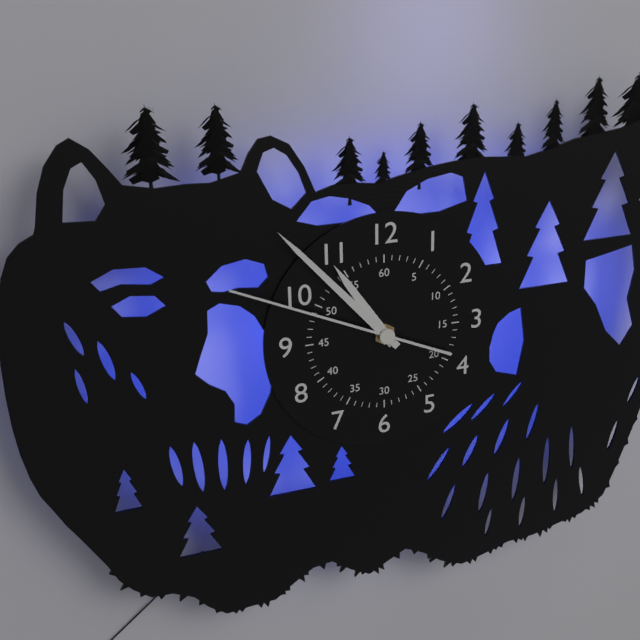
10:53:49
